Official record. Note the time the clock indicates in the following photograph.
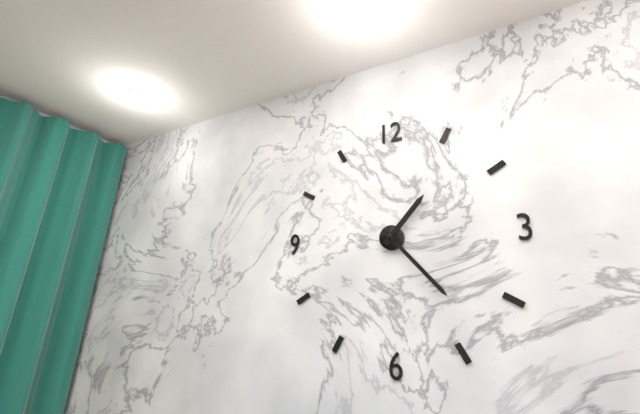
1:23
